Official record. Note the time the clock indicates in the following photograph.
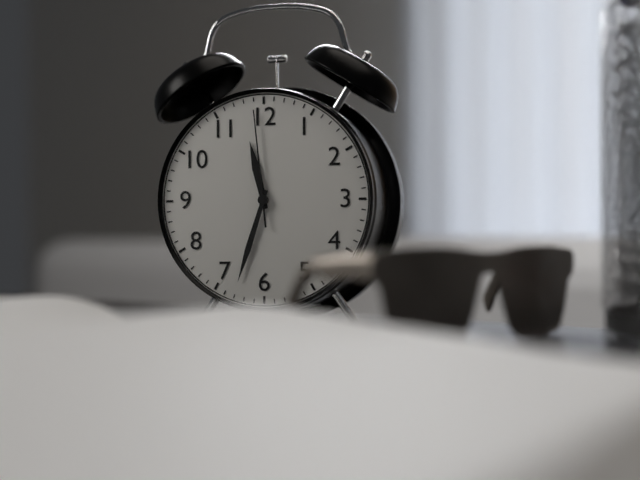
11:33:59
